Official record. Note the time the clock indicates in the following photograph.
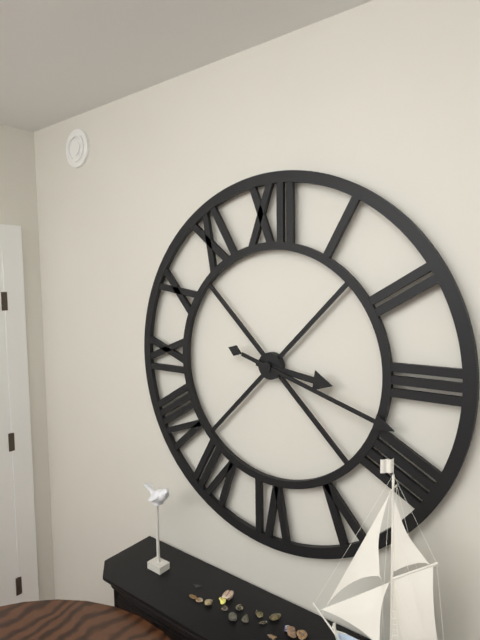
3:18
